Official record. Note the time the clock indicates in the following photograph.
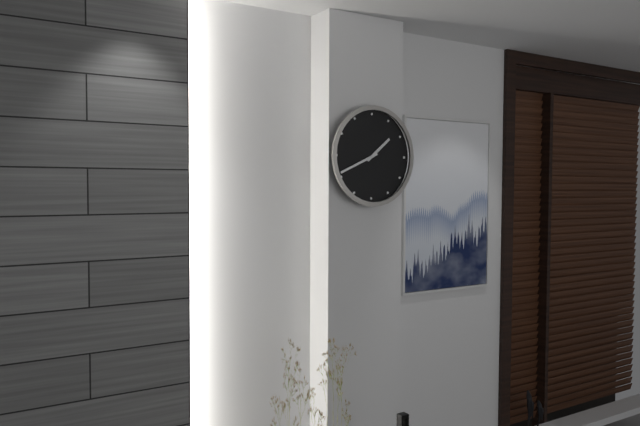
1:41
